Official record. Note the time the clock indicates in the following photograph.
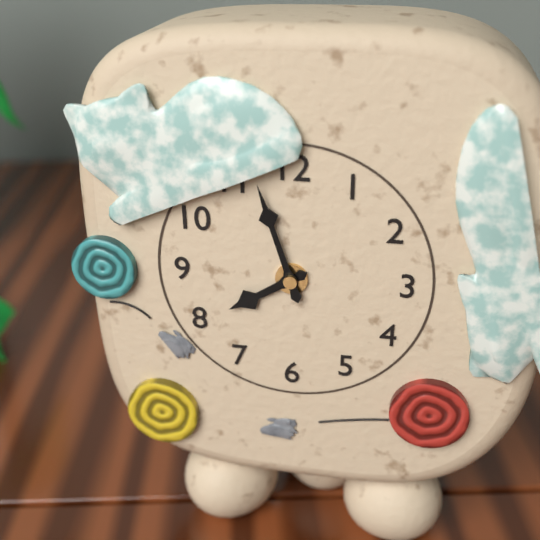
7:57
